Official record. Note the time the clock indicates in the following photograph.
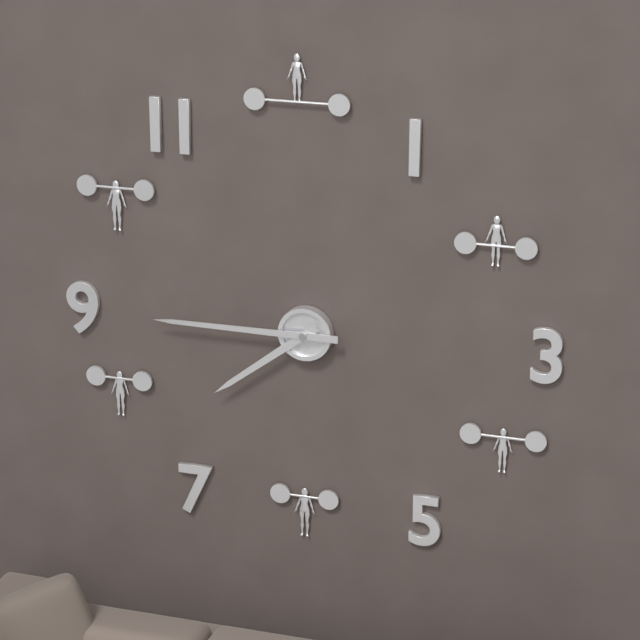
7:45
